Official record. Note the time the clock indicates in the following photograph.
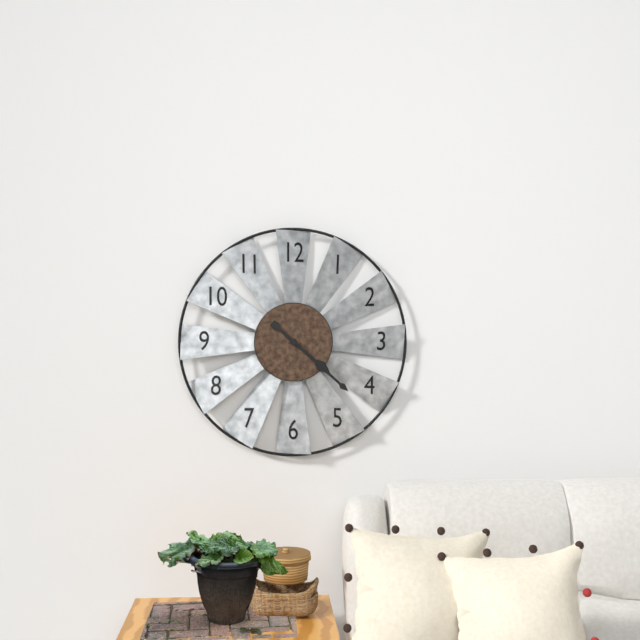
4:22
